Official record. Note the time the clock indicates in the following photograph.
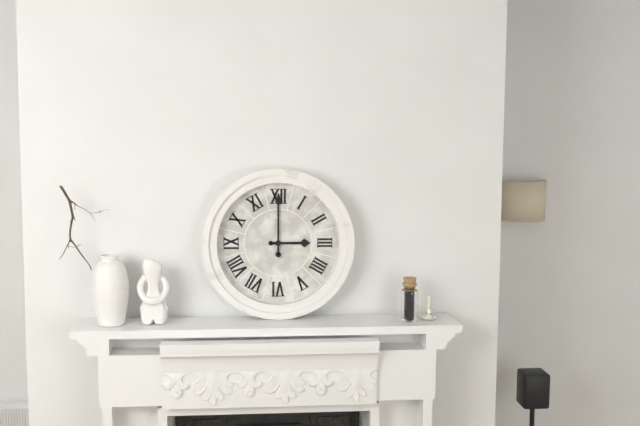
3:00
